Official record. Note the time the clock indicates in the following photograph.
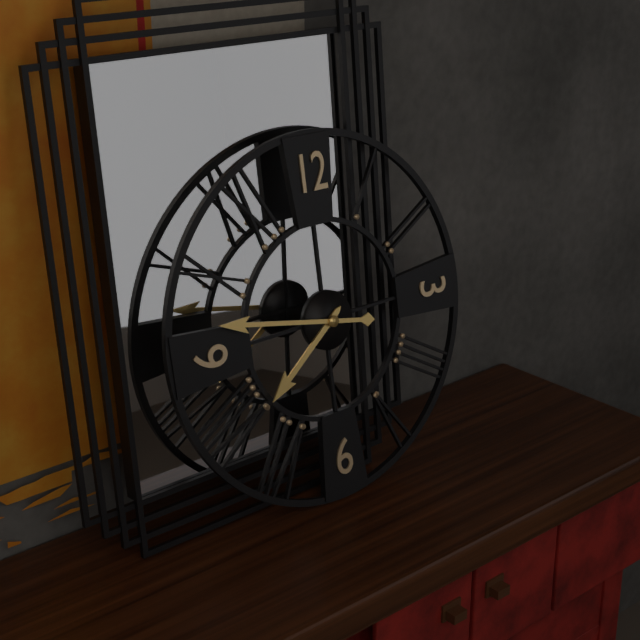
7:47
